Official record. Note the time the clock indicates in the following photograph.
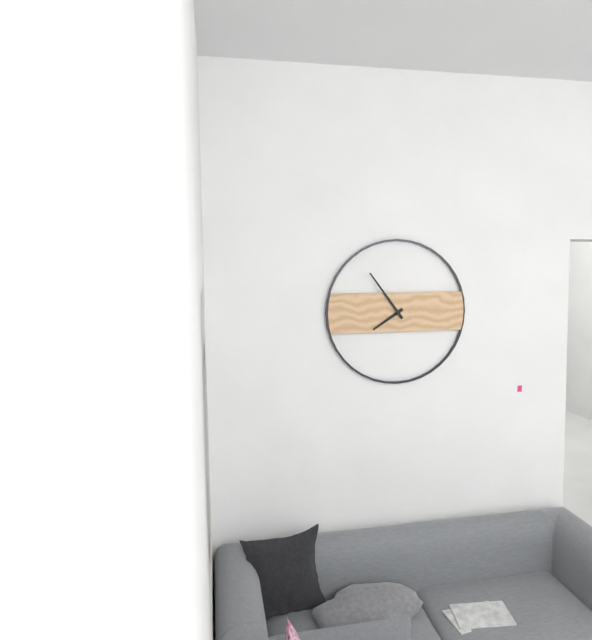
7:54
